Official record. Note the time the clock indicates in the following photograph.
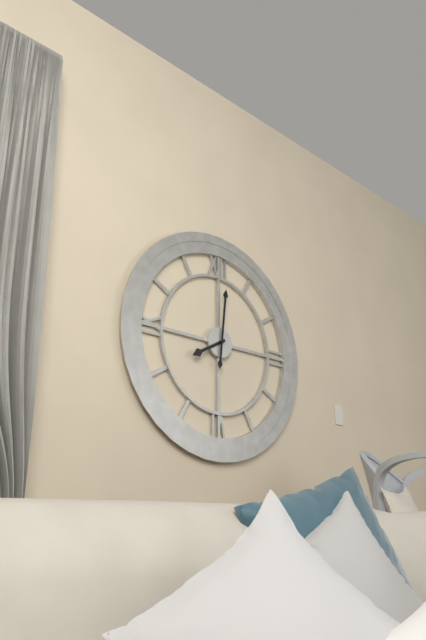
8:01
